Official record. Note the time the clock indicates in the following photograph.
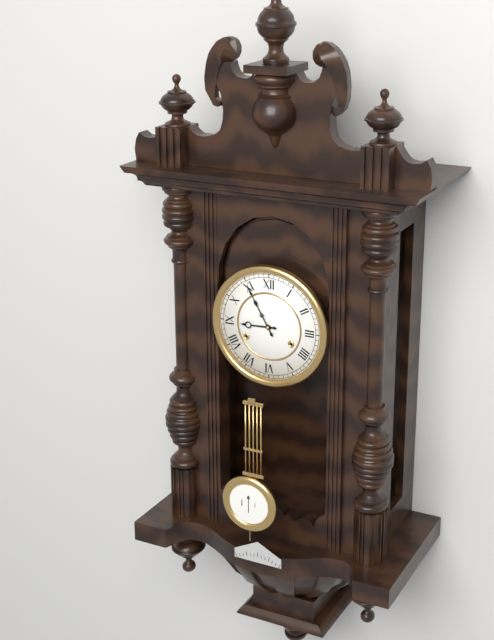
8:55
